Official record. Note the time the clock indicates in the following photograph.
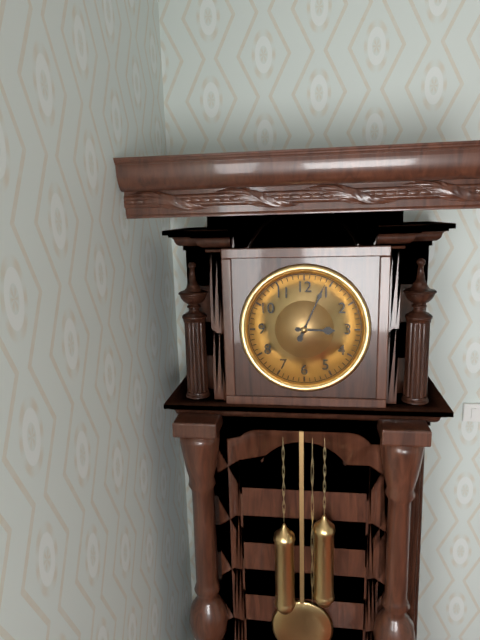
3:04
